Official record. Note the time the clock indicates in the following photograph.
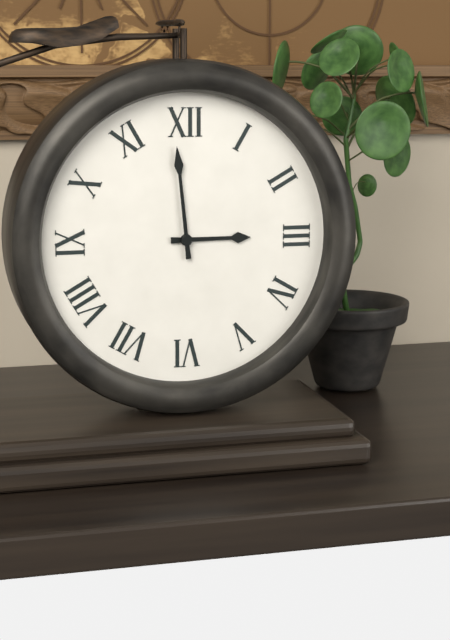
2:59
